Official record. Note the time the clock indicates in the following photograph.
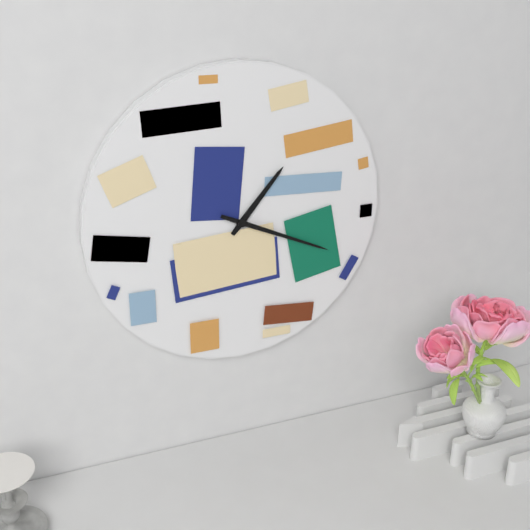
1:19
